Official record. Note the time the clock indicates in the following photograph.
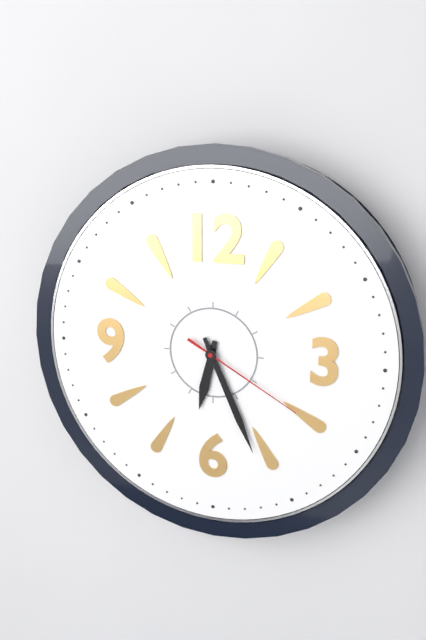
6:26:20
